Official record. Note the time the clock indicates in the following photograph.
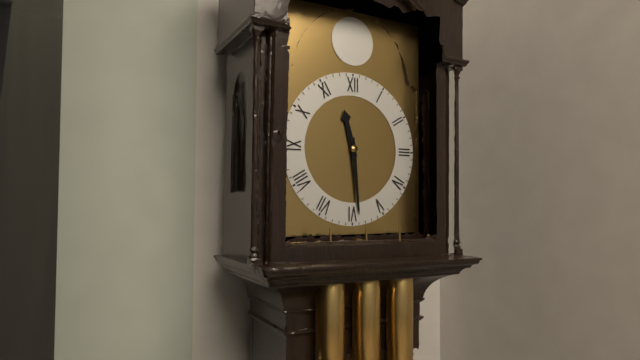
11:29
